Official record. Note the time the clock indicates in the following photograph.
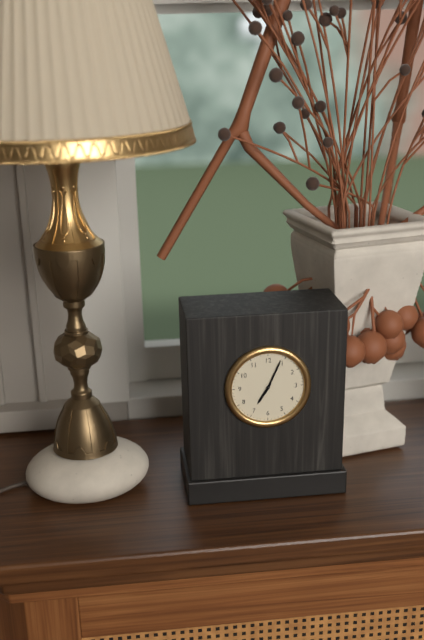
7:04
